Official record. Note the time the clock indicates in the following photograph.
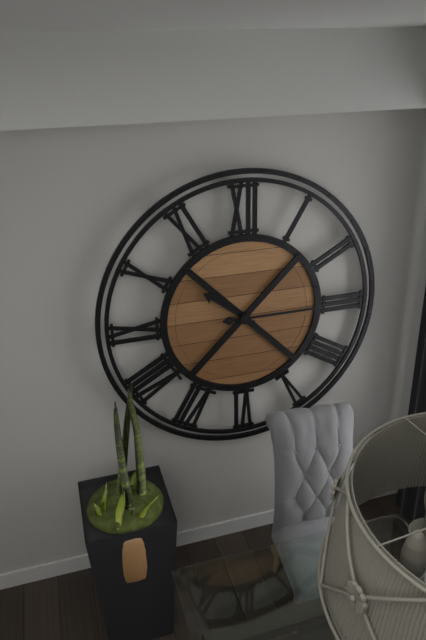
10:15
